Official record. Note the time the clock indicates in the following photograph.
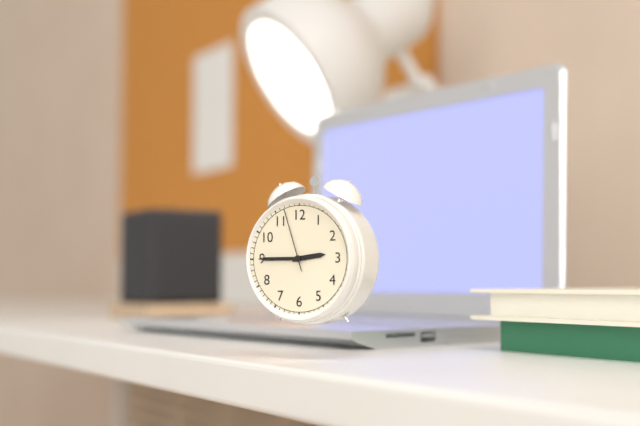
2:45:57
